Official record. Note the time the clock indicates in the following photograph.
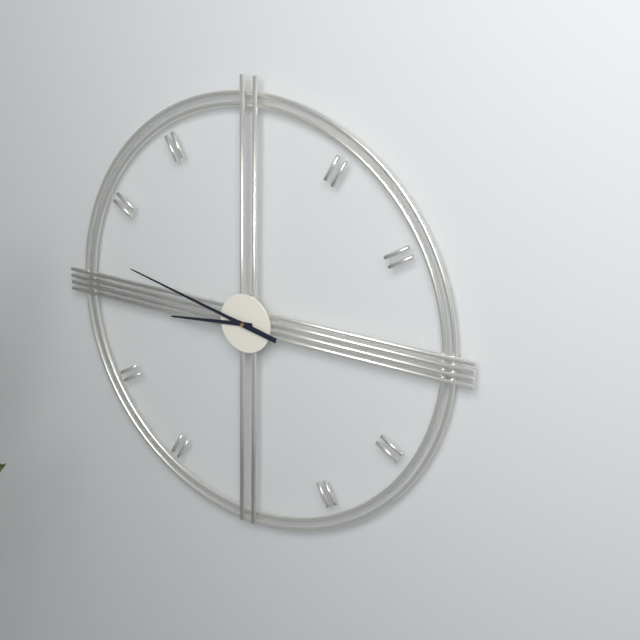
8:47
